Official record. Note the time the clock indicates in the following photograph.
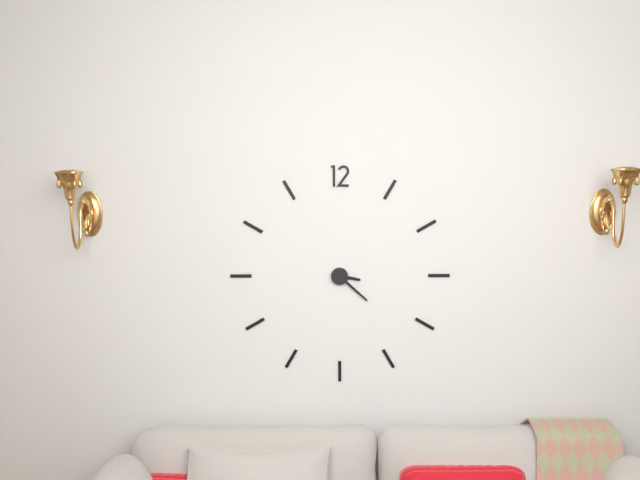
3:22
